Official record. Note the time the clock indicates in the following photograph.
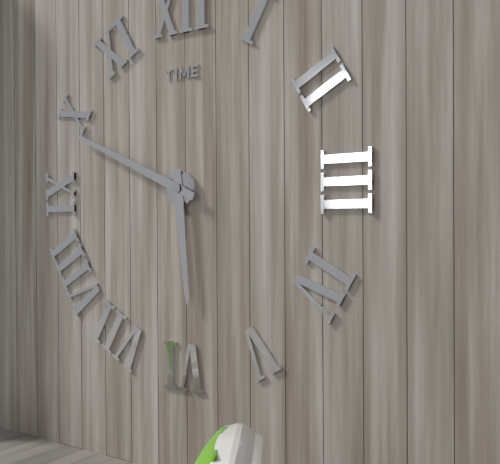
5:49
